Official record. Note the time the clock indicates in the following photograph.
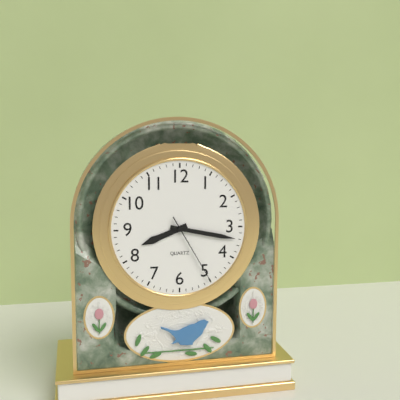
8:17:25
